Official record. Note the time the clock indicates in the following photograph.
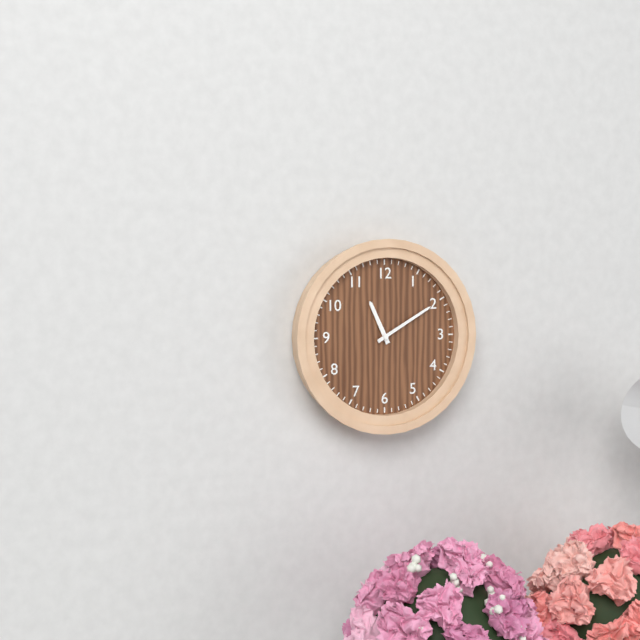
11:10
